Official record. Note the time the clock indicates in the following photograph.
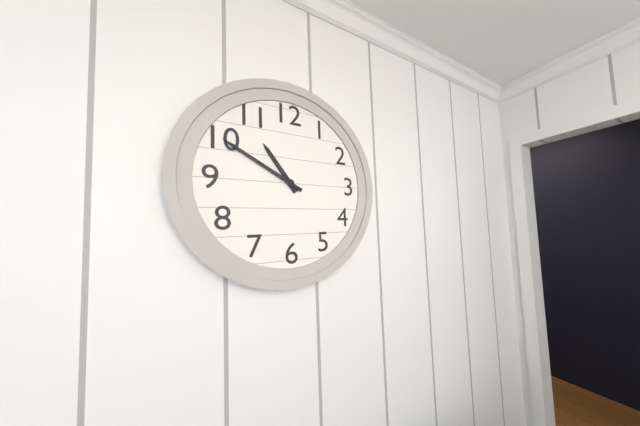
10:50
